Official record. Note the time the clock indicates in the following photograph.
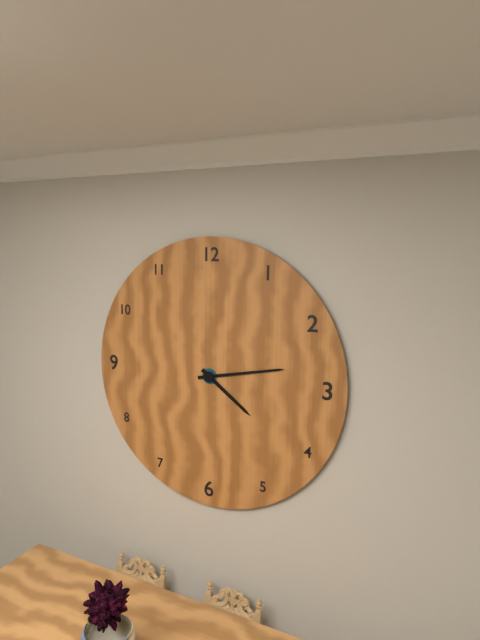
4:13
